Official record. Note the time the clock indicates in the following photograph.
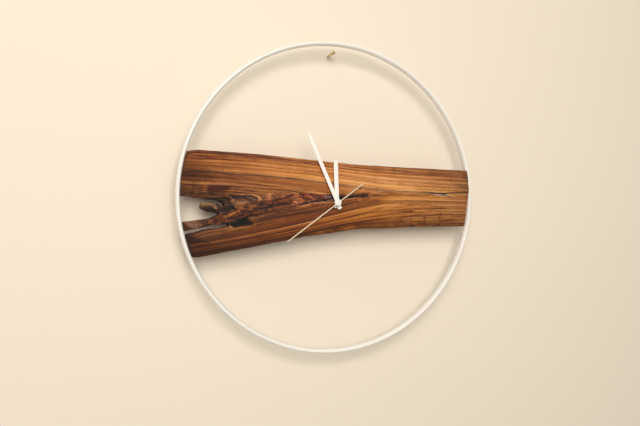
11:56:39
